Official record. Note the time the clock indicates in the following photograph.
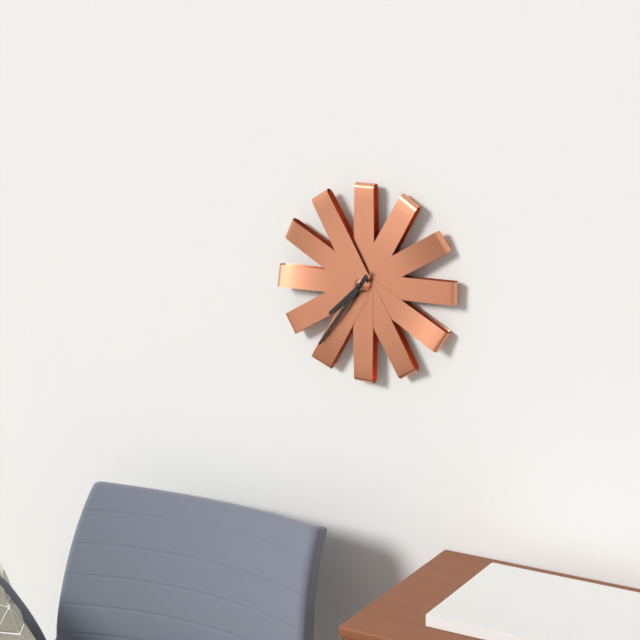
7:36
